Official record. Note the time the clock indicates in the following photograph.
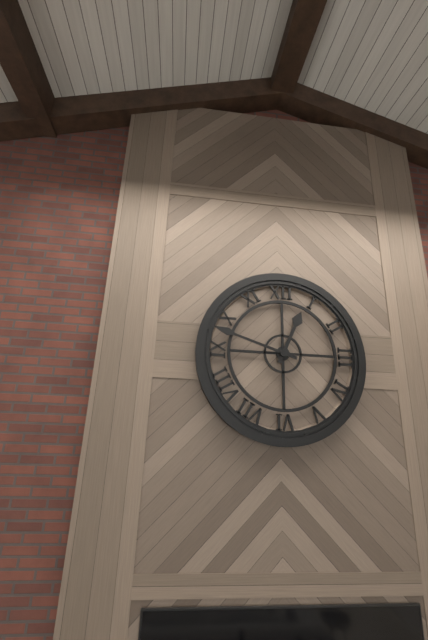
12:48
